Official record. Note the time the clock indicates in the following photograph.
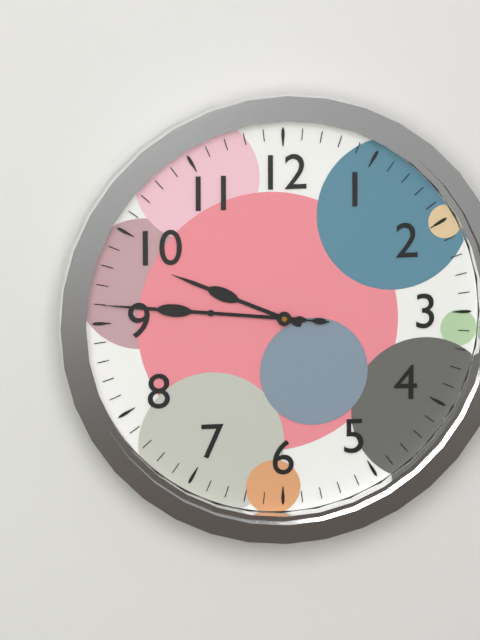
9:46:46
